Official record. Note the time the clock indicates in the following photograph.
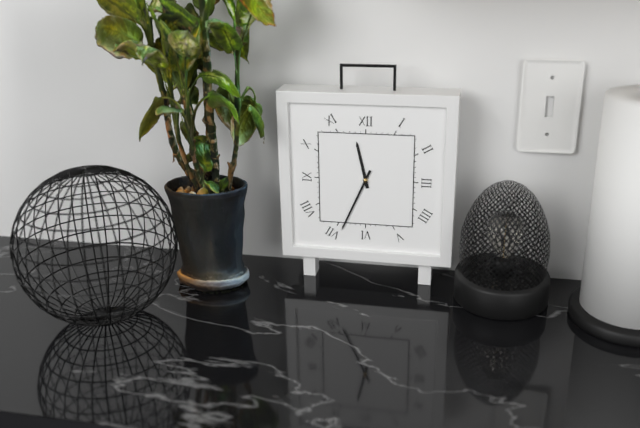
11:34
